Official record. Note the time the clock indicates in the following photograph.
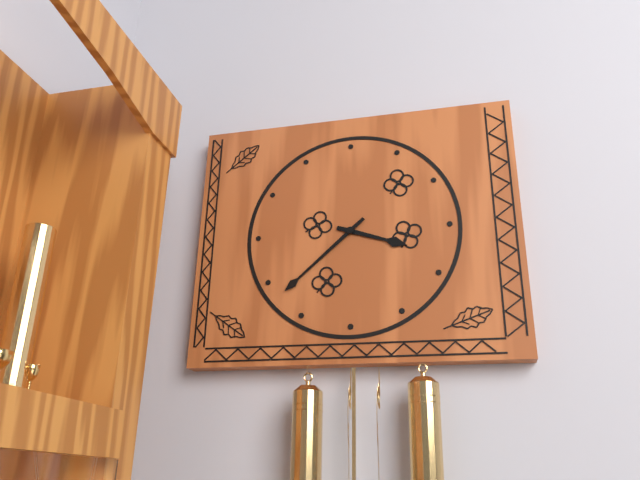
3:38
